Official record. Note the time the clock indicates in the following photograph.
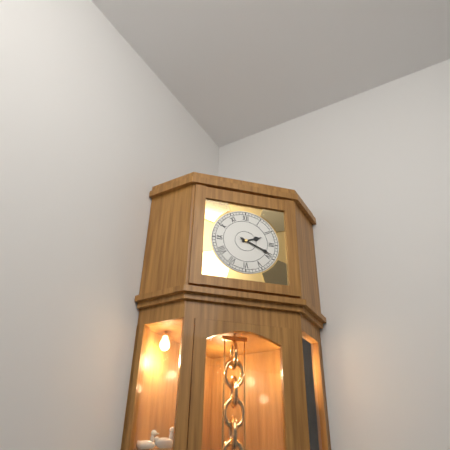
2:19
